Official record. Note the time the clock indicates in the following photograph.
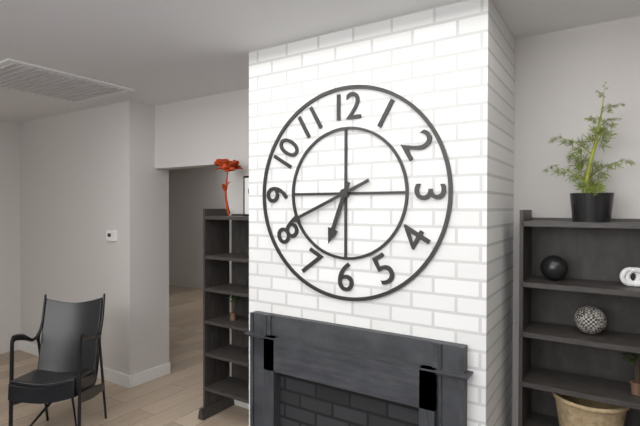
6:41
